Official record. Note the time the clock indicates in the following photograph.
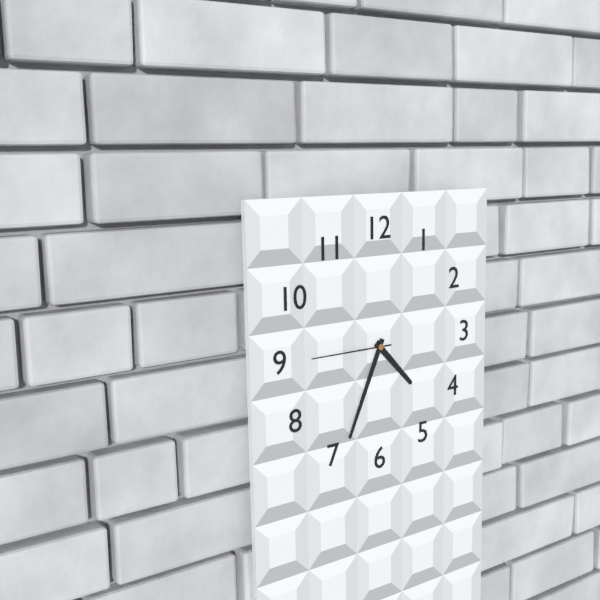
4:34:45
